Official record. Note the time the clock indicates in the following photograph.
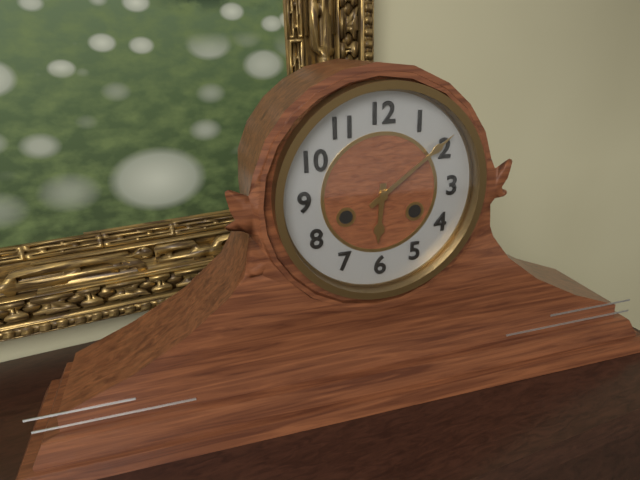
6:09
